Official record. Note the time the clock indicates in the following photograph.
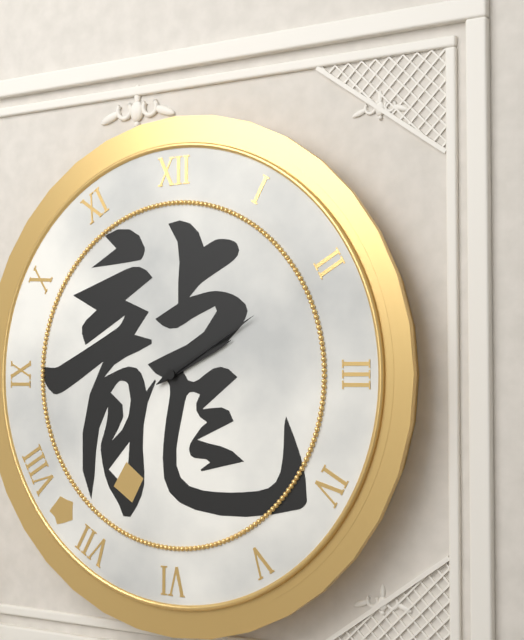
2:10
